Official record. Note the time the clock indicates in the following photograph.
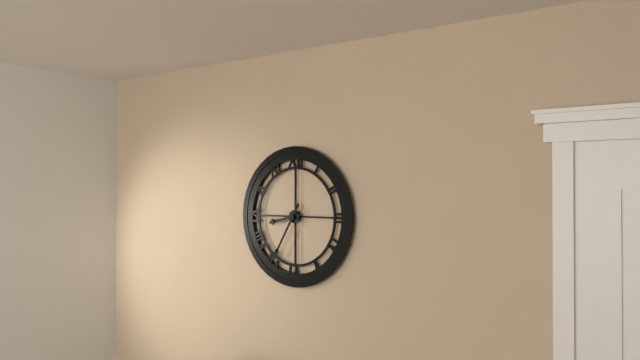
8:35
